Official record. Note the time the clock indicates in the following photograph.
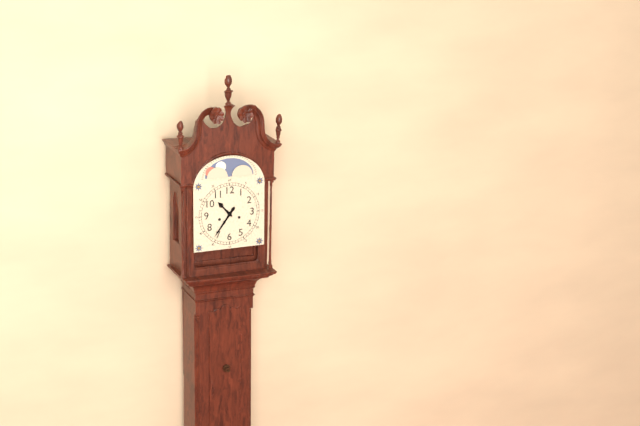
10:36
